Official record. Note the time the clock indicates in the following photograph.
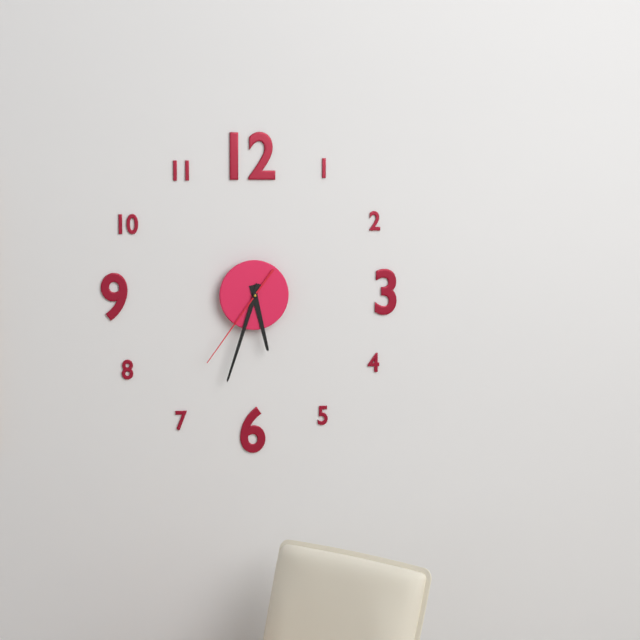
5:33:36
